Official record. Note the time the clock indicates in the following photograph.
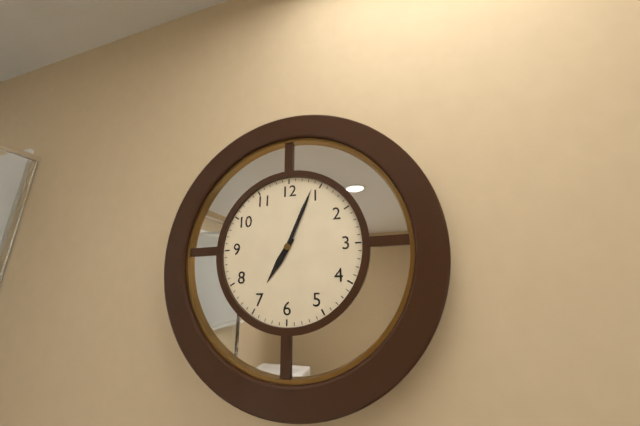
7:04
